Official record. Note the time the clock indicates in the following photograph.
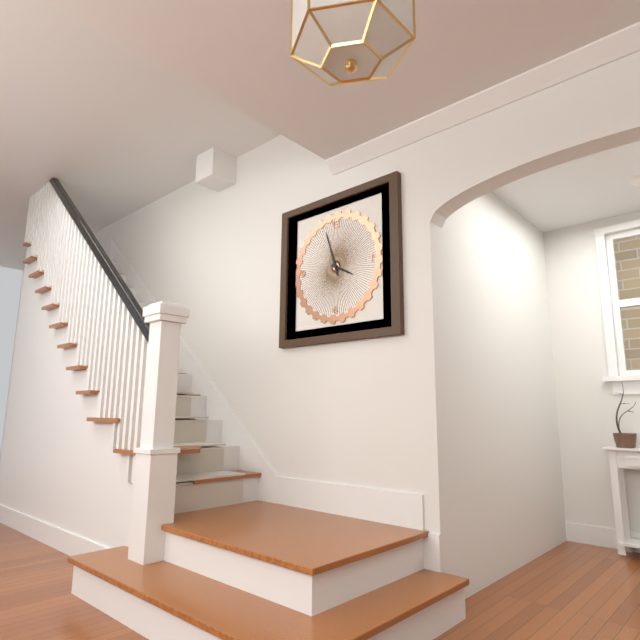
3:57
